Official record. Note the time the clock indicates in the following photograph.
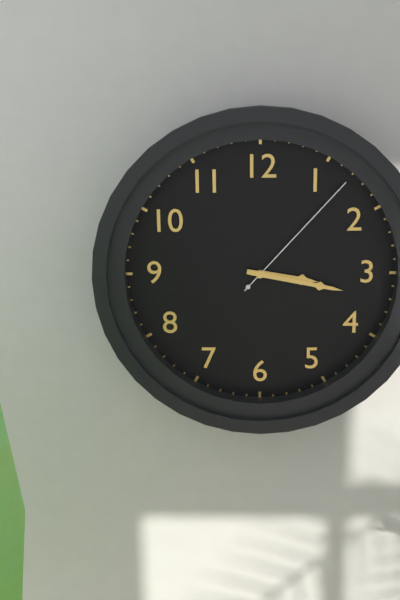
3:17:07
